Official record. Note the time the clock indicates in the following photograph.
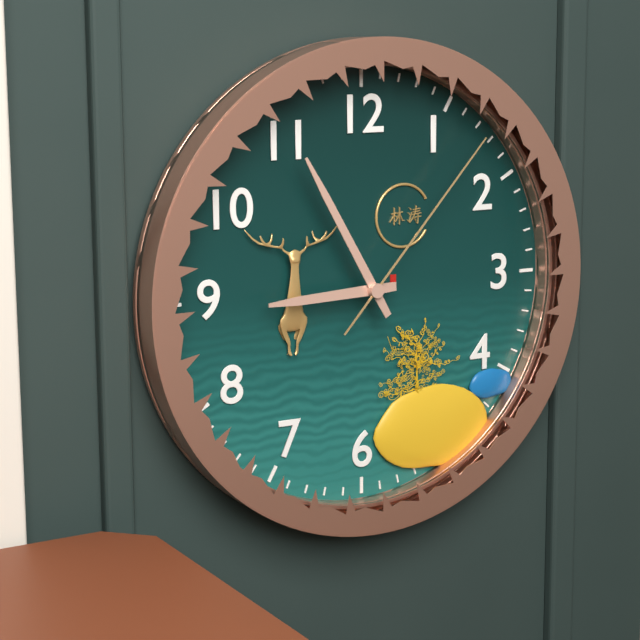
8:55:07
